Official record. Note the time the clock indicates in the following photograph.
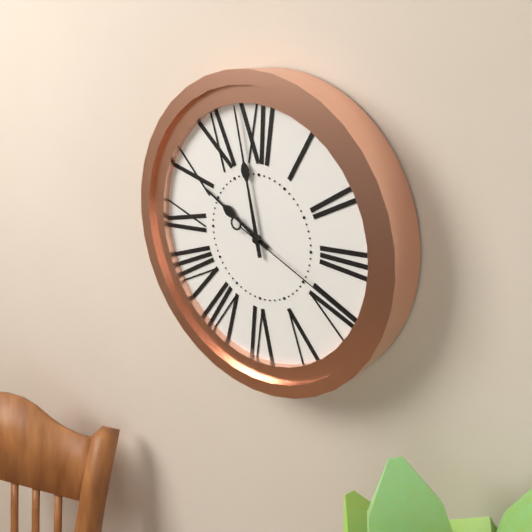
9:58:19
